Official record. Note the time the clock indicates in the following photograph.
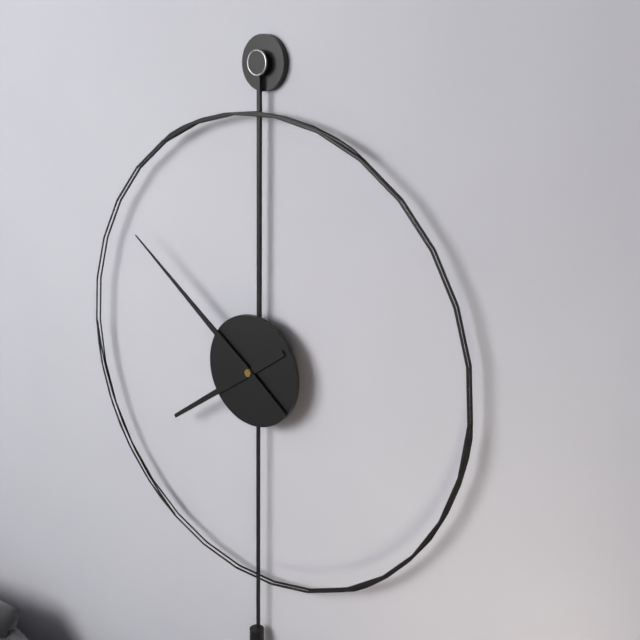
7:51
